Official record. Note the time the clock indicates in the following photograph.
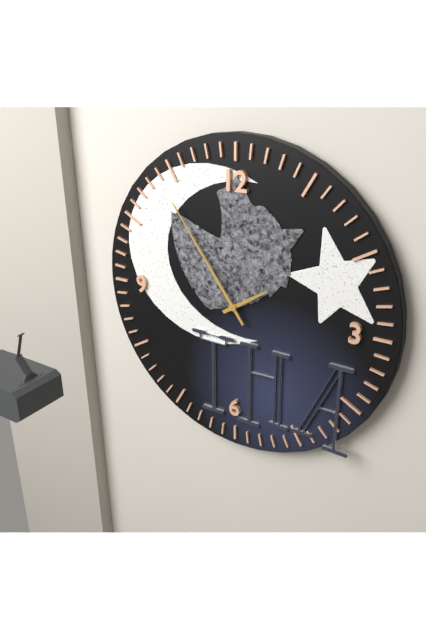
1:54
